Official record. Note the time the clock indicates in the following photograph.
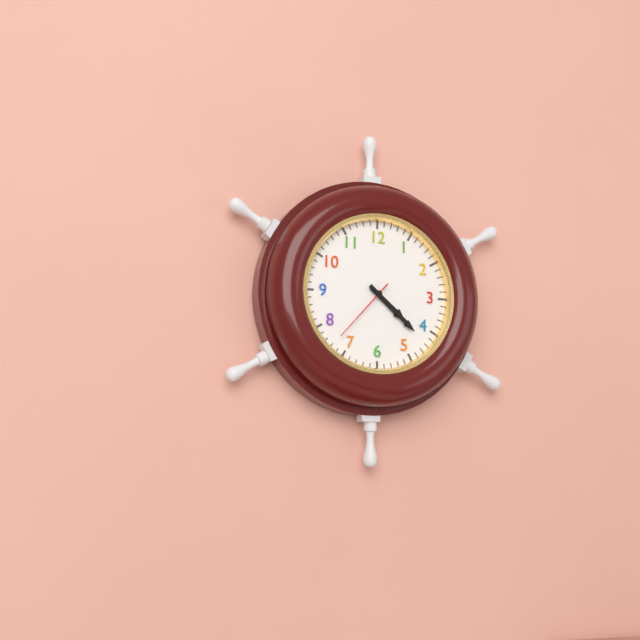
4:22:37
